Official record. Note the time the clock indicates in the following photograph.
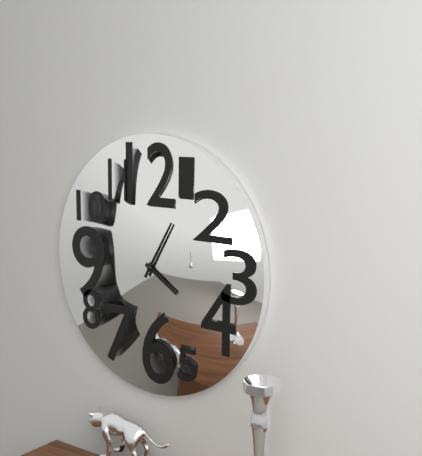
4:05
